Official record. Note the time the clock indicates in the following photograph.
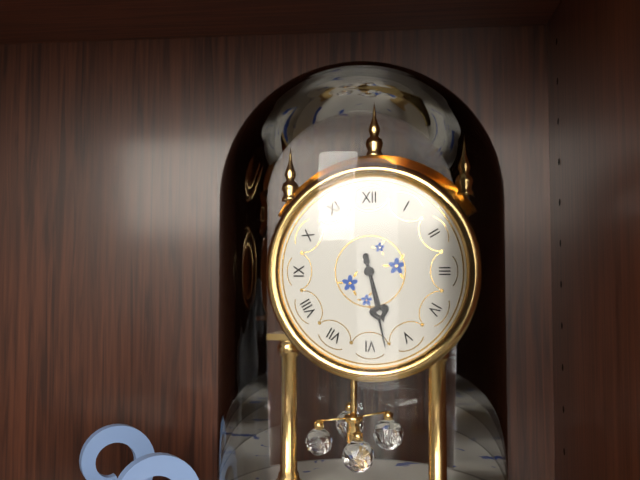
5:28
